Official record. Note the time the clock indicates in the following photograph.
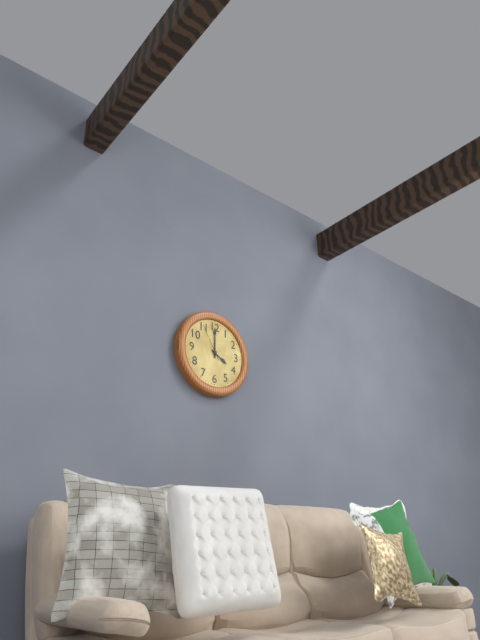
4:00
